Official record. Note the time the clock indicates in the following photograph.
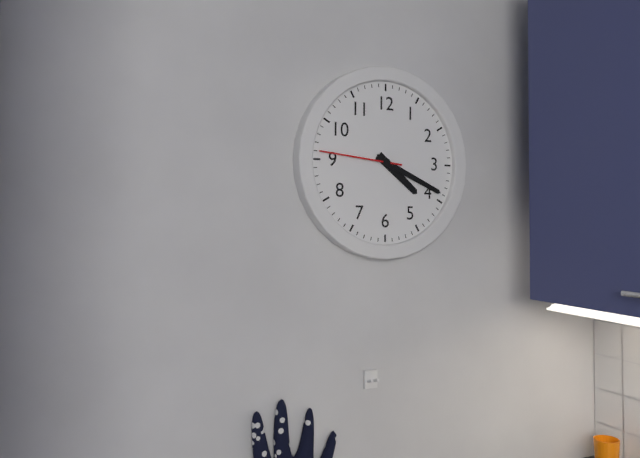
4:19:46
